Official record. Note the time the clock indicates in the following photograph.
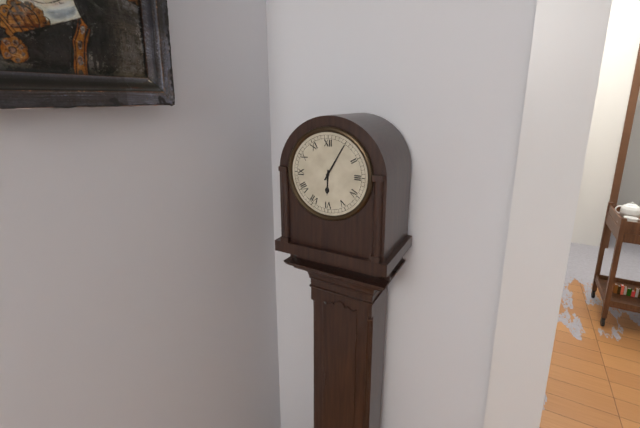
6:05
